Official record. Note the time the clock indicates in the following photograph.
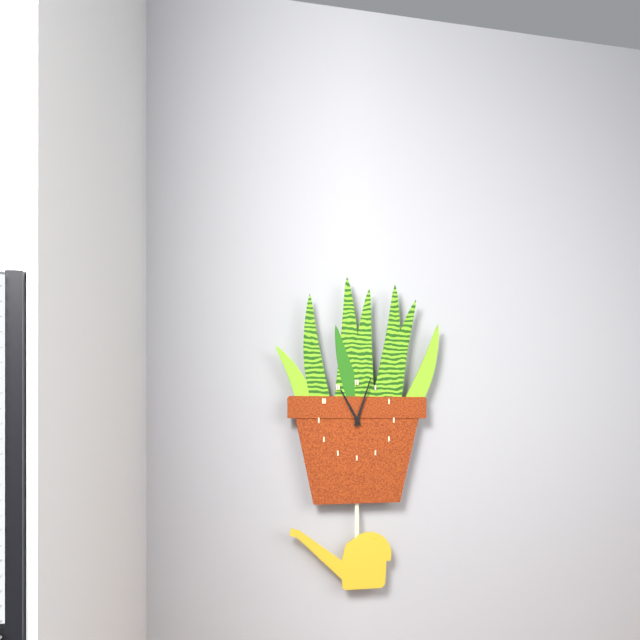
11:03
